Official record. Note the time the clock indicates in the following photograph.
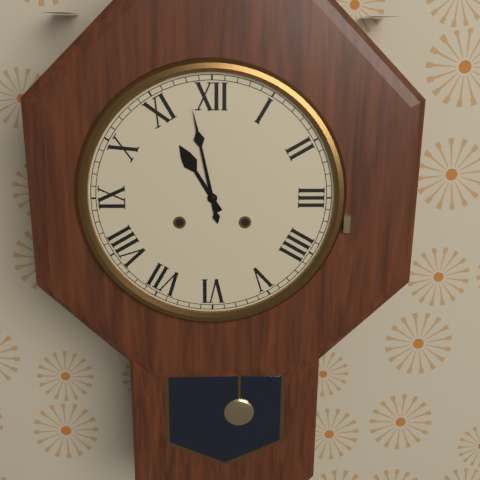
10:58
